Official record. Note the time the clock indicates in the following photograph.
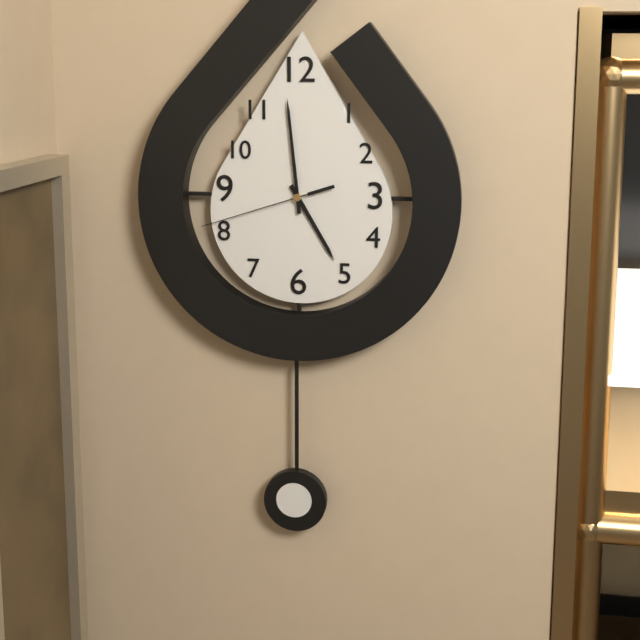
4:59:42
